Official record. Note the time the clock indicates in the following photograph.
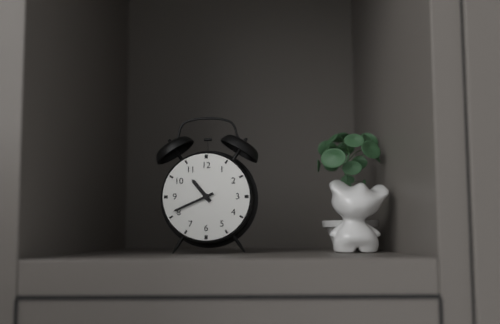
10:41
